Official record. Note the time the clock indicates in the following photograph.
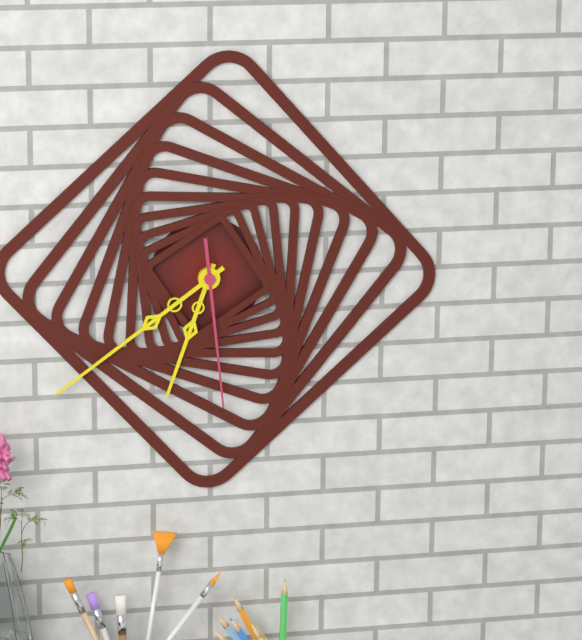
6:39:29
